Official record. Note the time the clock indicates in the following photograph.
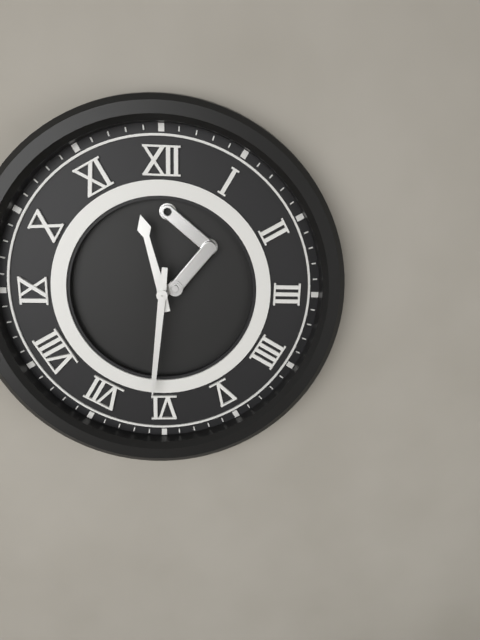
11:31
